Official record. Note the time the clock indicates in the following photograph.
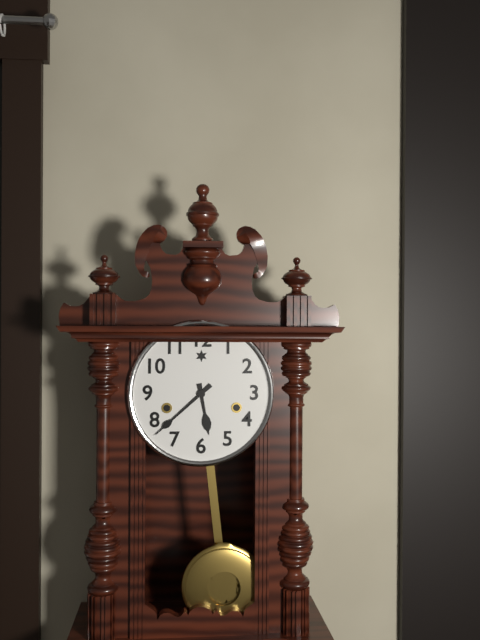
5:38
